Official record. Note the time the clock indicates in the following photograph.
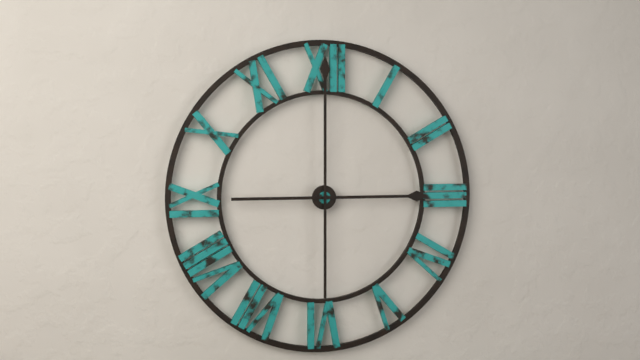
3:00
